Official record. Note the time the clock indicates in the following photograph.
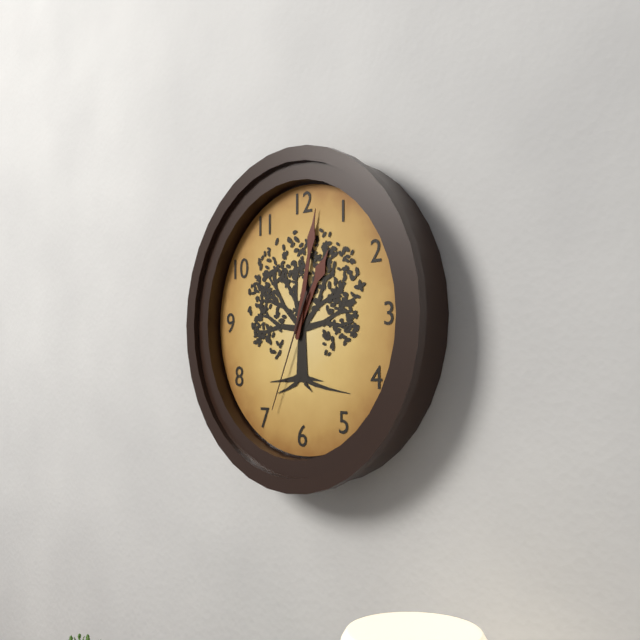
1:02:34
